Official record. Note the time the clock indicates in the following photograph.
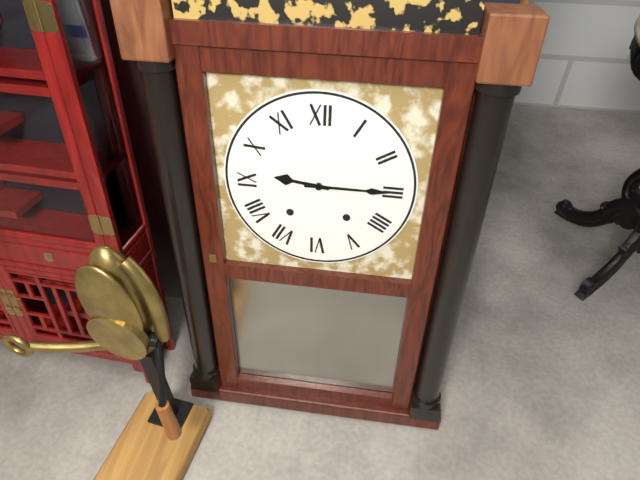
9:15
